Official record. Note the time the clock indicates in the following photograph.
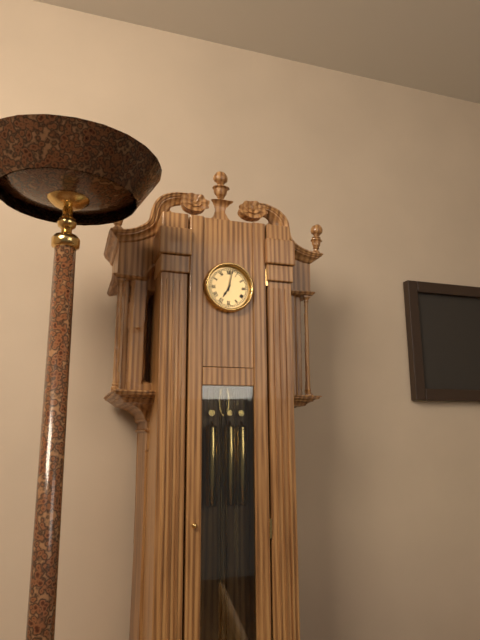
7:02
